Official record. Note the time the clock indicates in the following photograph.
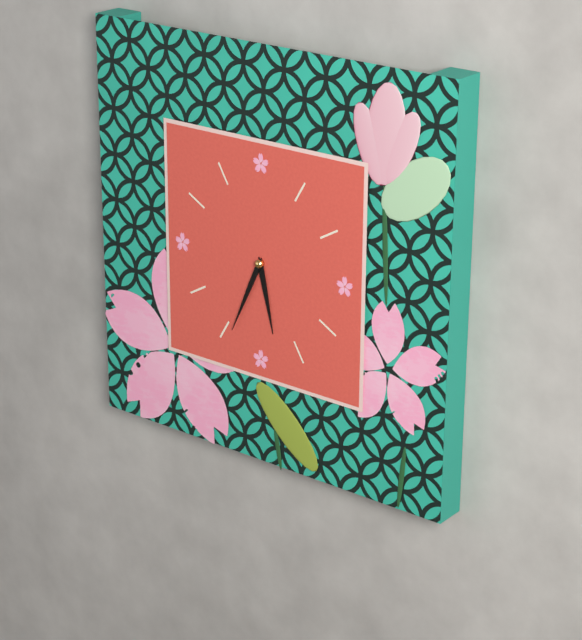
5:34
